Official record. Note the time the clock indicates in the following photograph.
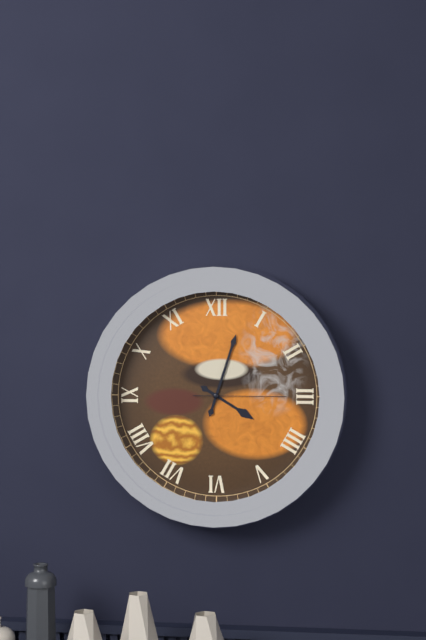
4:03:15
